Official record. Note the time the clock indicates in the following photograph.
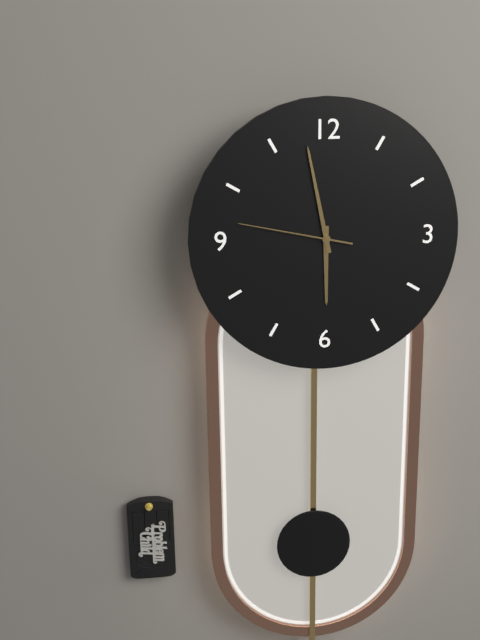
5:58:47
